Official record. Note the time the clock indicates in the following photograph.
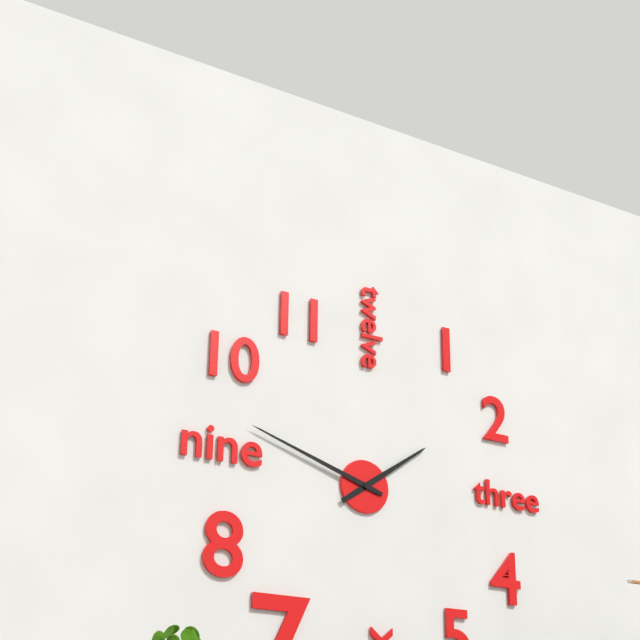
1:48
